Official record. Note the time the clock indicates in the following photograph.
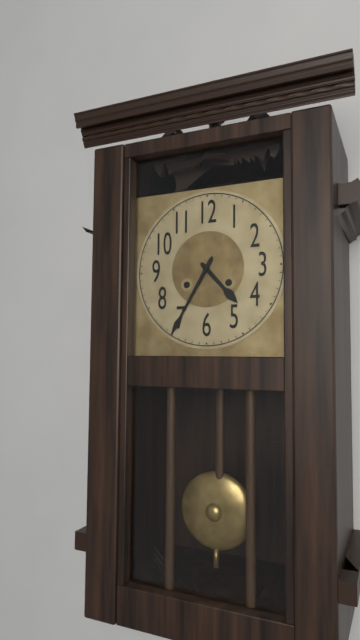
4:35
